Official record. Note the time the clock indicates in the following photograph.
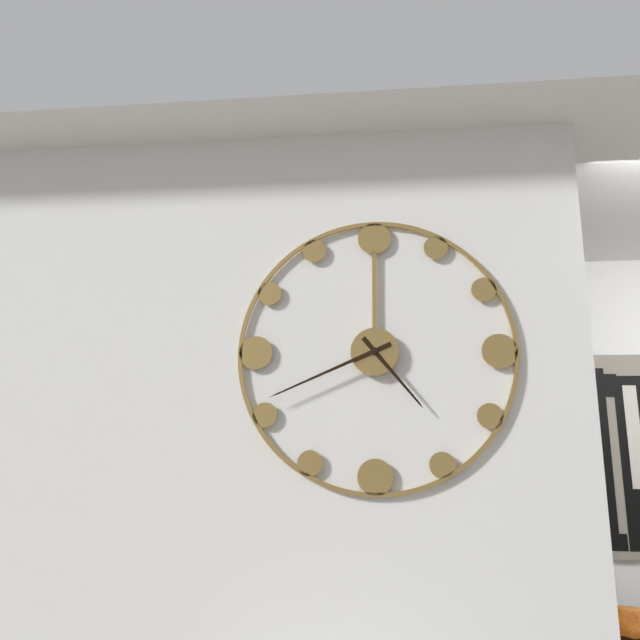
4:41
